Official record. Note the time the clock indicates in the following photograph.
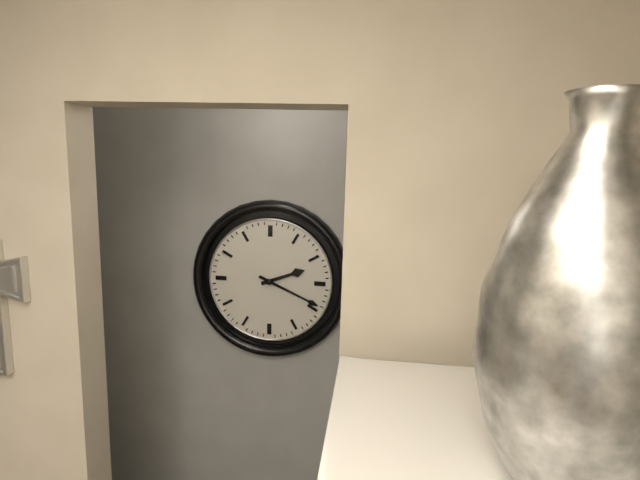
2:19
